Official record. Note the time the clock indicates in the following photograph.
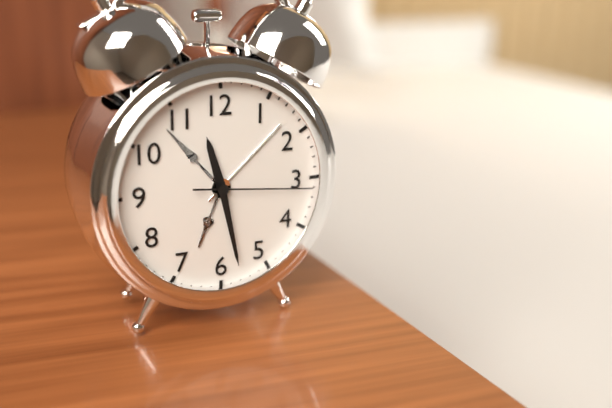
11:28:16
